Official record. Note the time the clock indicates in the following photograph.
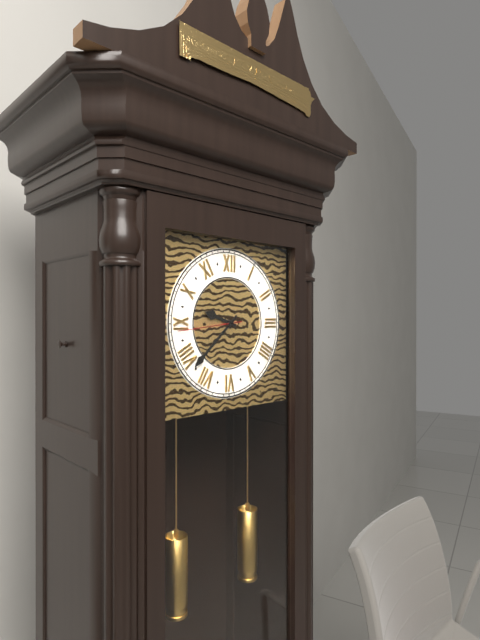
9:38:44
